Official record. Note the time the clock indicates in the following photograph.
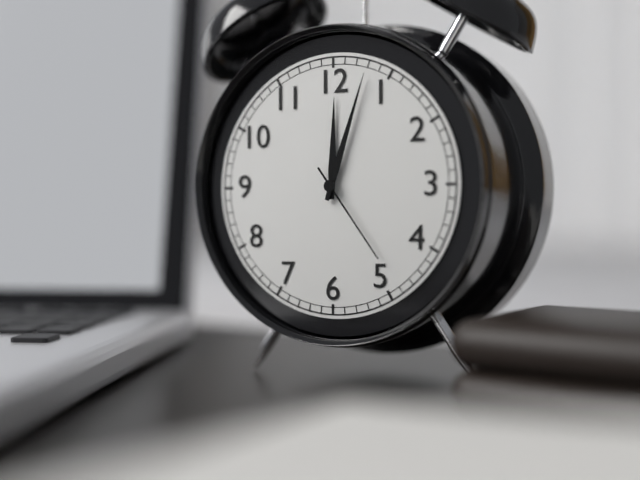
12:03:24
